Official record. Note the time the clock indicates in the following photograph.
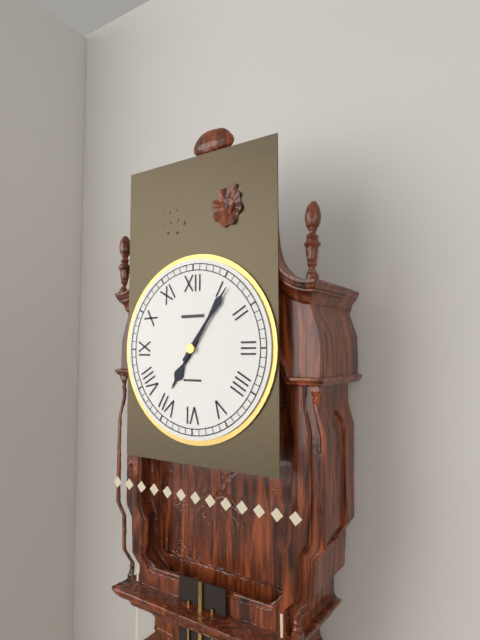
7:06
